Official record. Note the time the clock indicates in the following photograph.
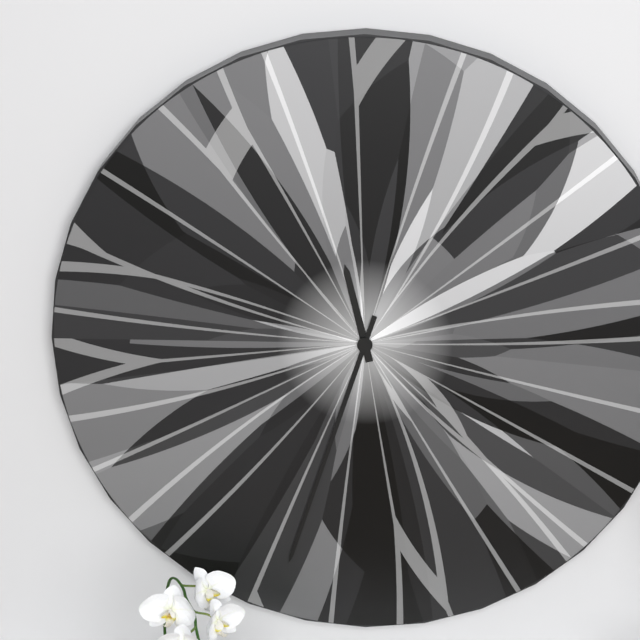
11:33
